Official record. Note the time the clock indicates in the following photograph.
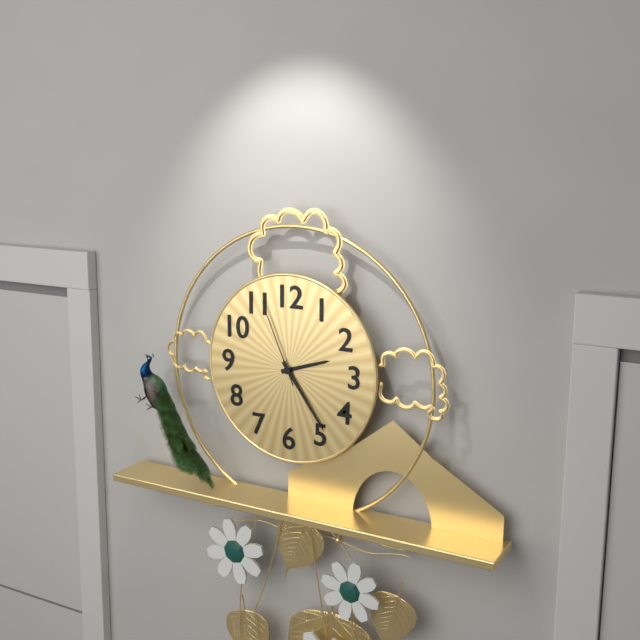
2:24:56
